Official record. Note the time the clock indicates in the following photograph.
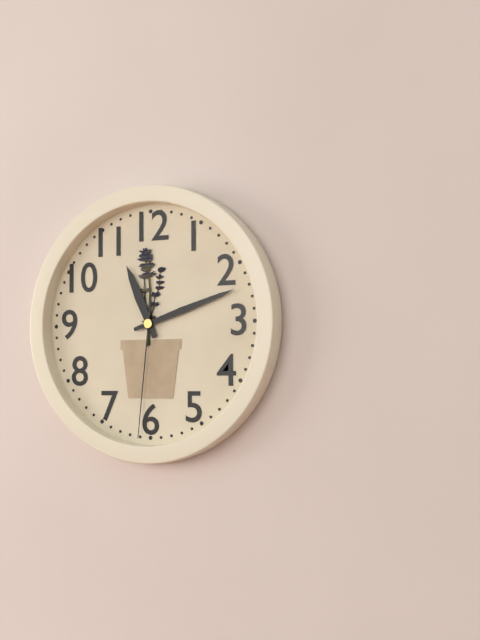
11:12:31
